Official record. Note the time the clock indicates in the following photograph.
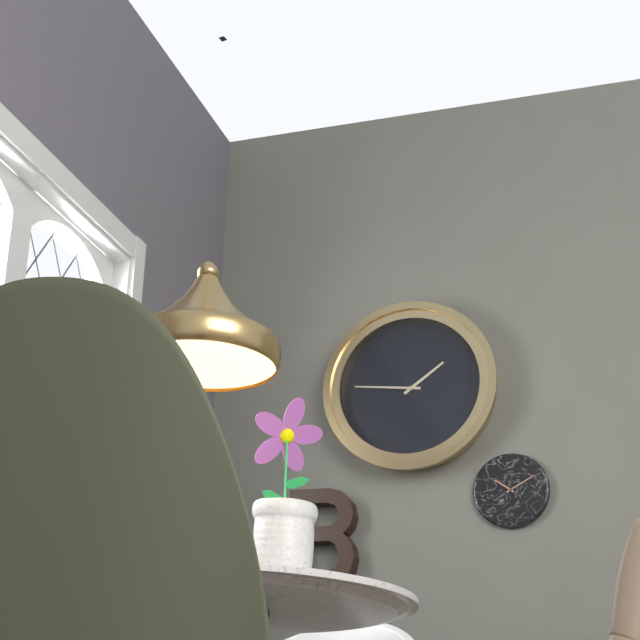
1:46
